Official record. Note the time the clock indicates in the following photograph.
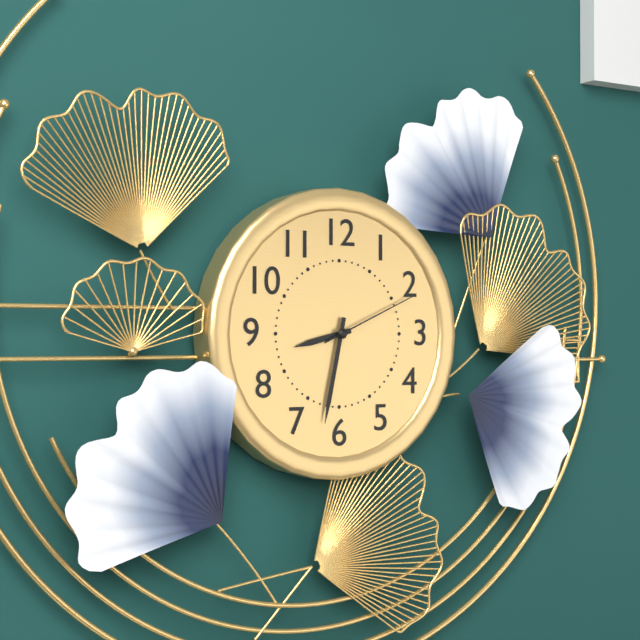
8:32:11
